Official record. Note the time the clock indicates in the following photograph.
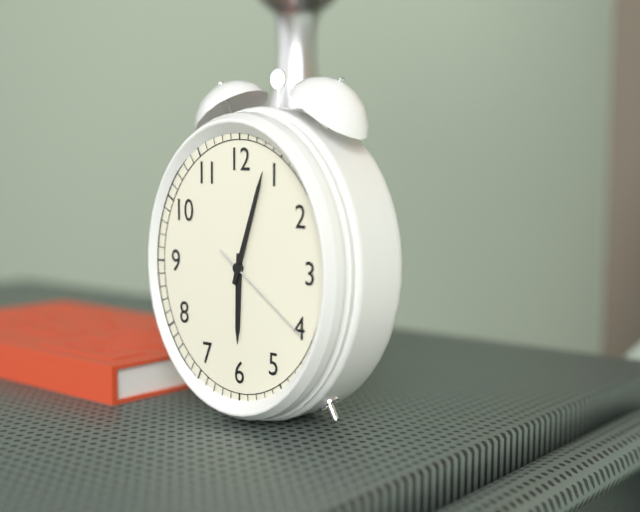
6:03:21
